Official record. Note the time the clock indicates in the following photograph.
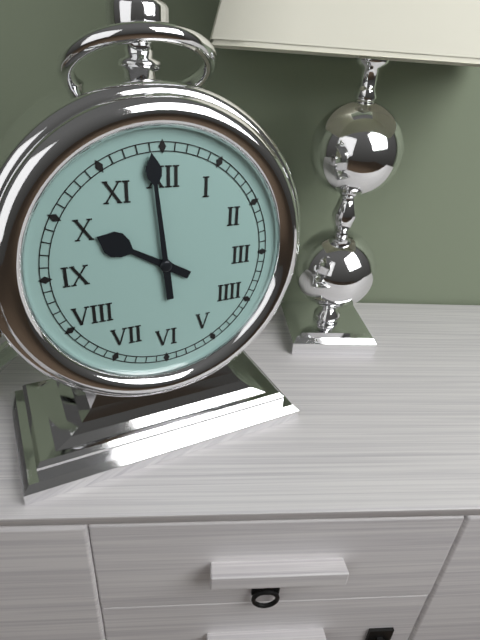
9:59
